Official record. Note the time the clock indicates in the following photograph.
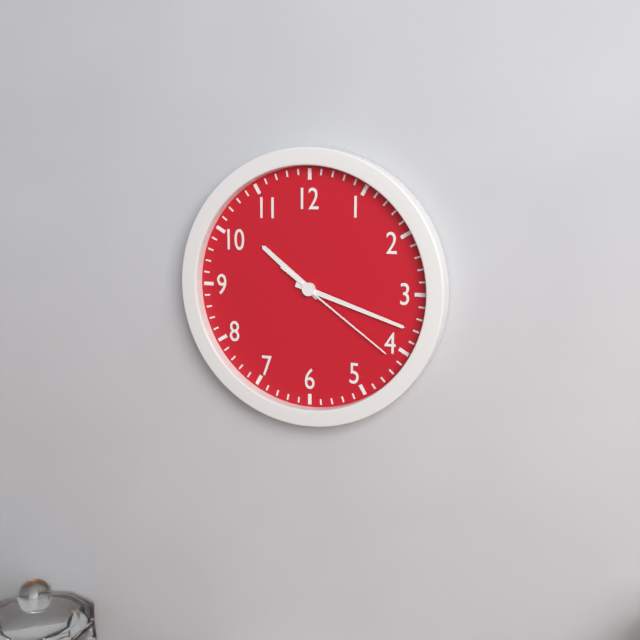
10:18:21
